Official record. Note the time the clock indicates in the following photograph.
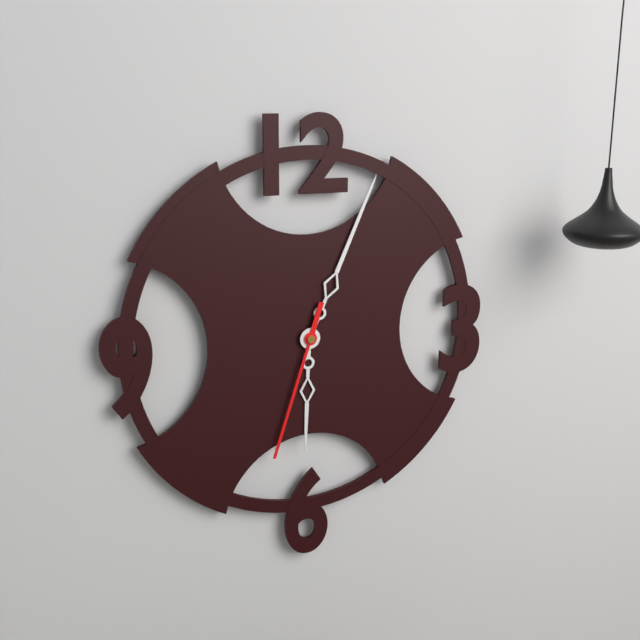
6:04:33
